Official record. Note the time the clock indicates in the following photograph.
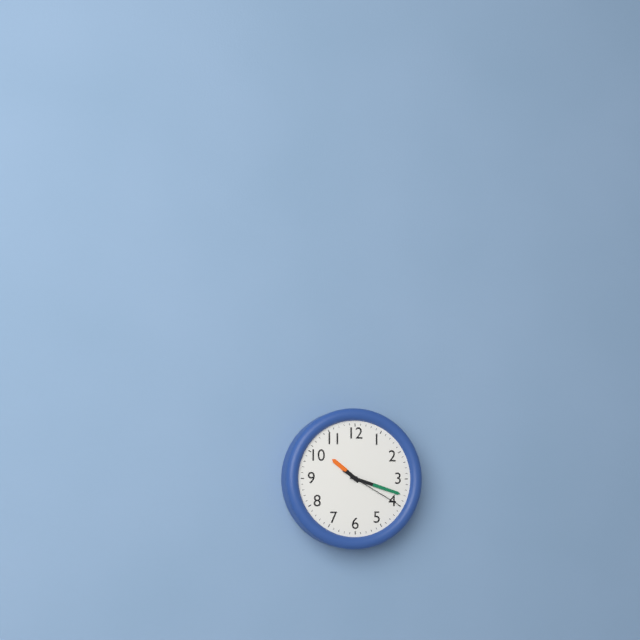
10:18:20
